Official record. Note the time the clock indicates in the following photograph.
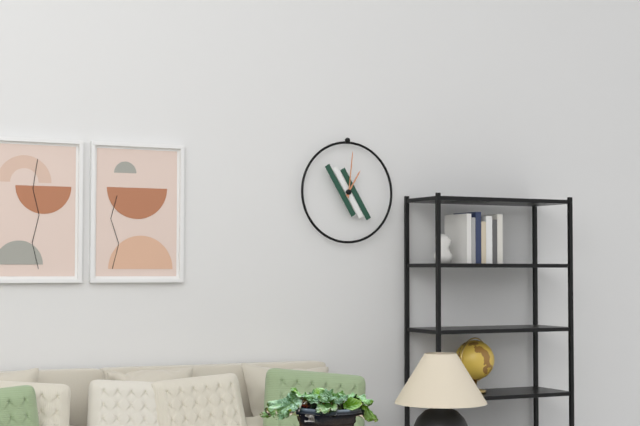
1:01
